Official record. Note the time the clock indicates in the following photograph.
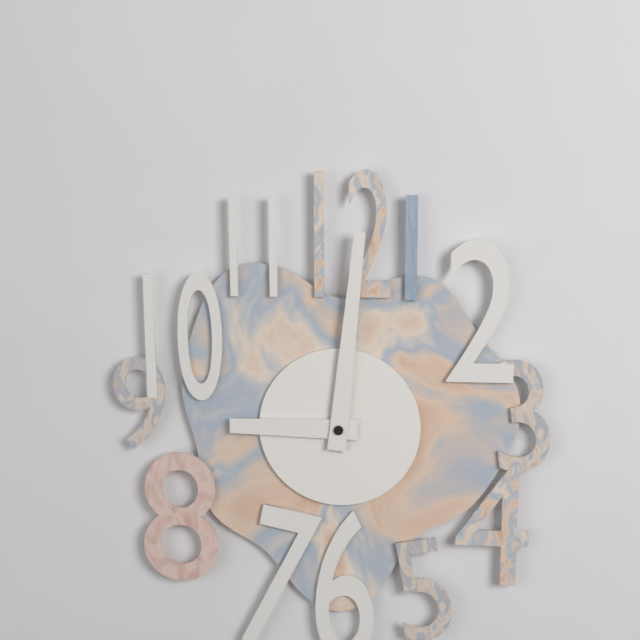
9:01
